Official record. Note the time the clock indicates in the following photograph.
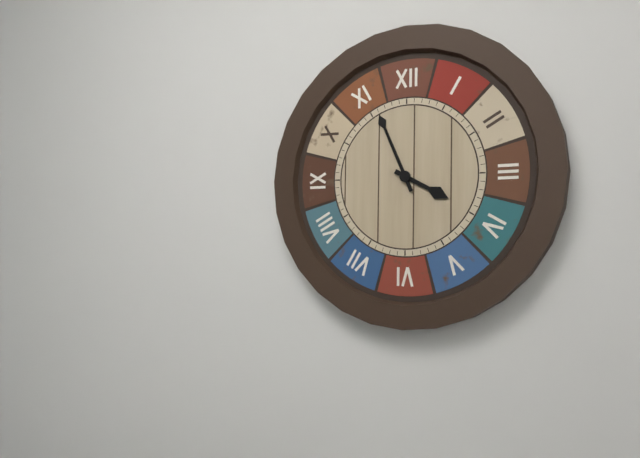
3:56
